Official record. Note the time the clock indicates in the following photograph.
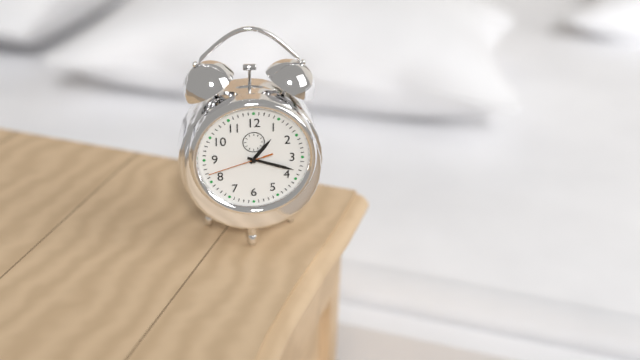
1:18:42
